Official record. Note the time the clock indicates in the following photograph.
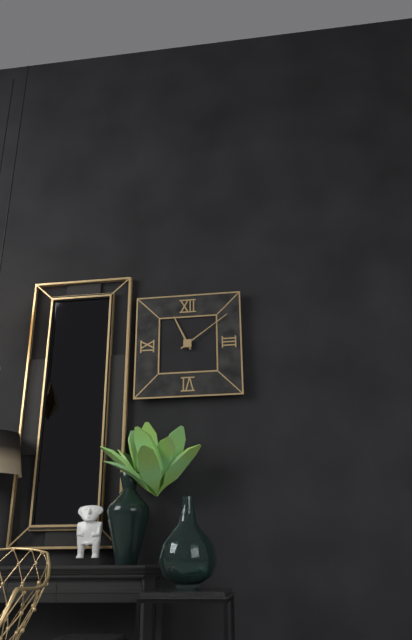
11:09
